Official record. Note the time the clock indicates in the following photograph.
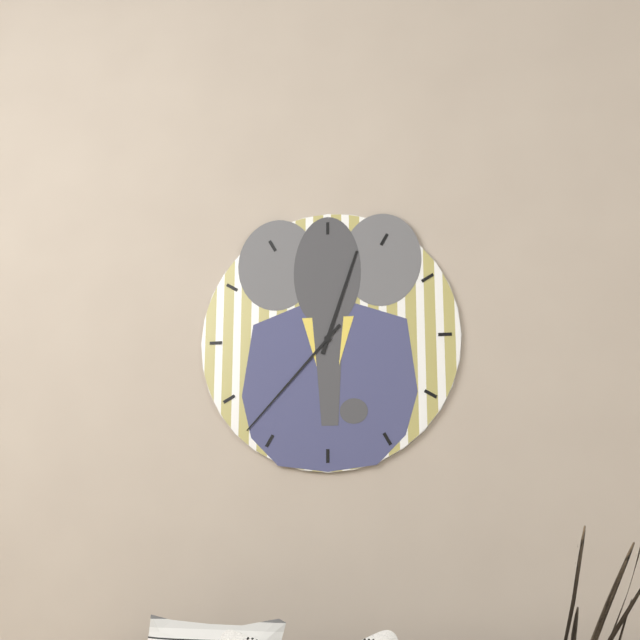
12:37
